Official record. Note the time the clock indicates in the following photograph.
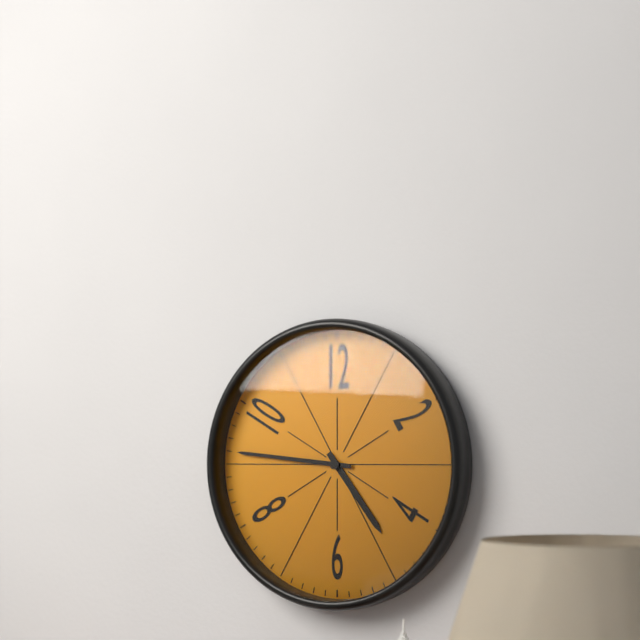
4:46
